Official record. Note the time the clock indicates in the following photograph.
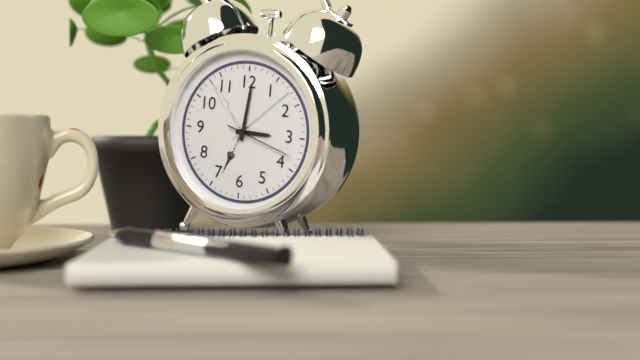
3:01:18
